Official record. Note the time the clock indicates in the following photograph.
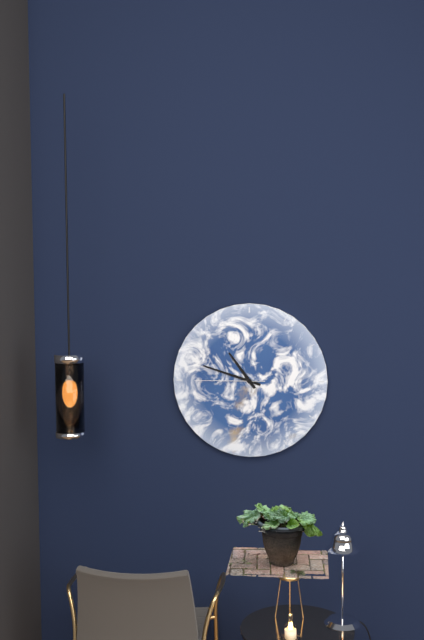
10:48:45
